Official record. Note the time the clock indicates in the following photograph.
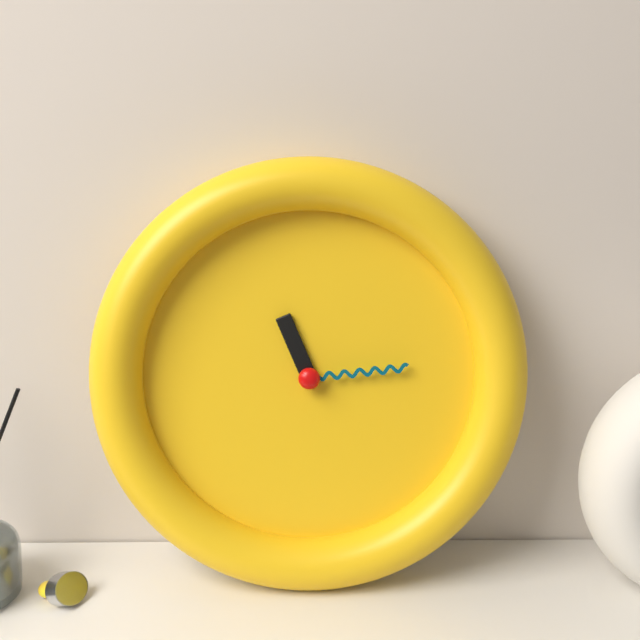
11:14
